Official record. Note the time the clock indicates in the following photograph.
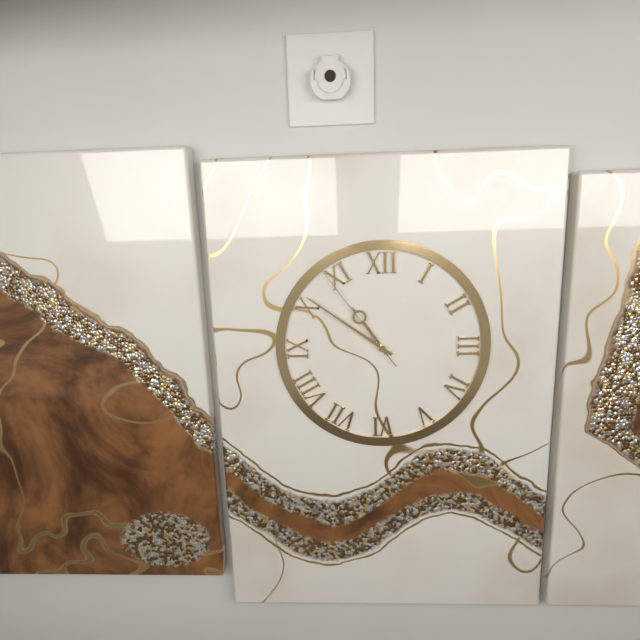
10:51:54
